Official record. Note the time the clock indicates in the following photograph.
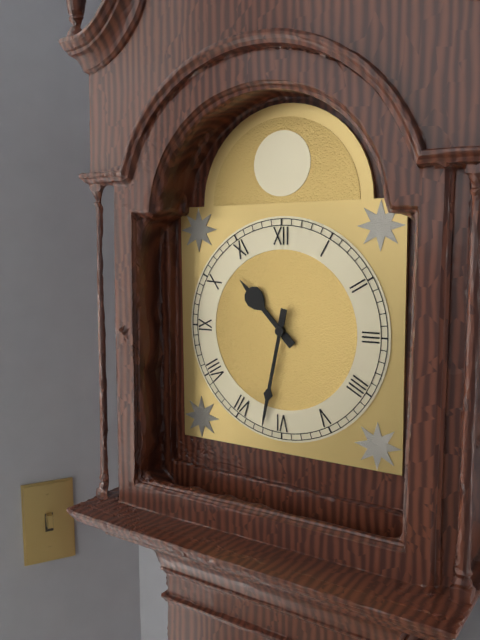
10:32
